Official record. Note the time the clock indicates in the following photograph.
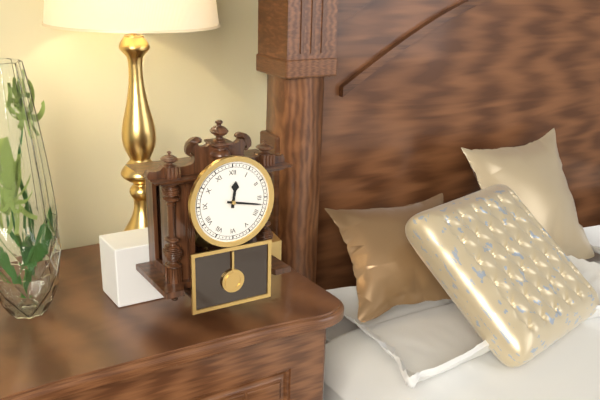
12:17
